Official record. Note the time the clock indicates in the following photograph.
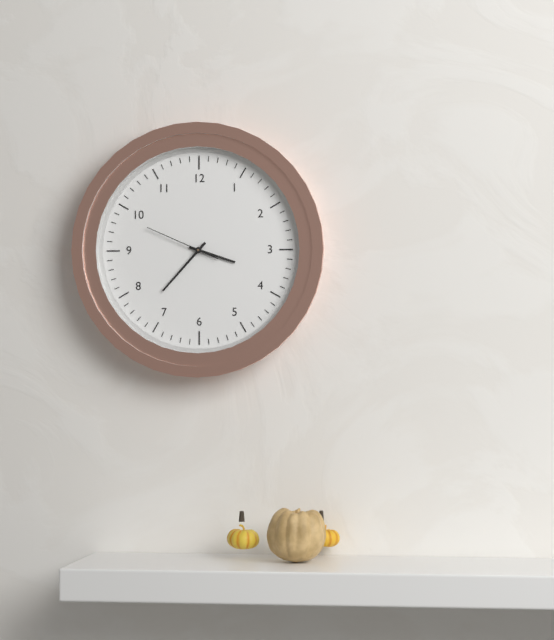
3:37:49
